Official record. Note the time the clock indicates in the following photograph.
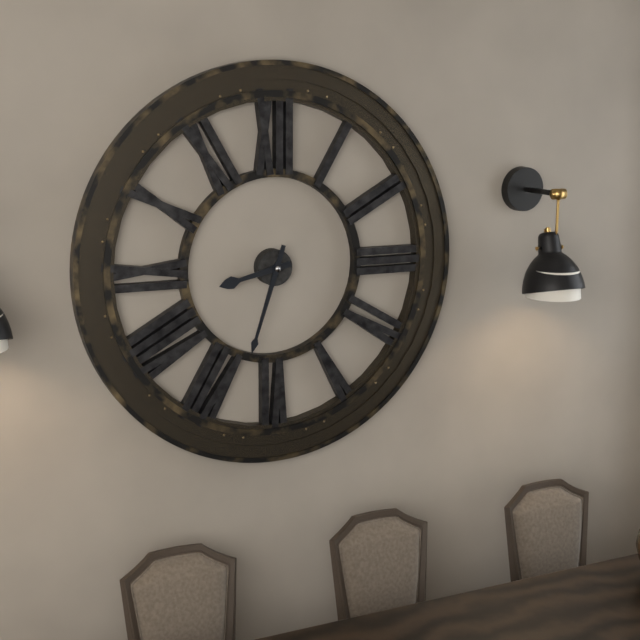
8:33
